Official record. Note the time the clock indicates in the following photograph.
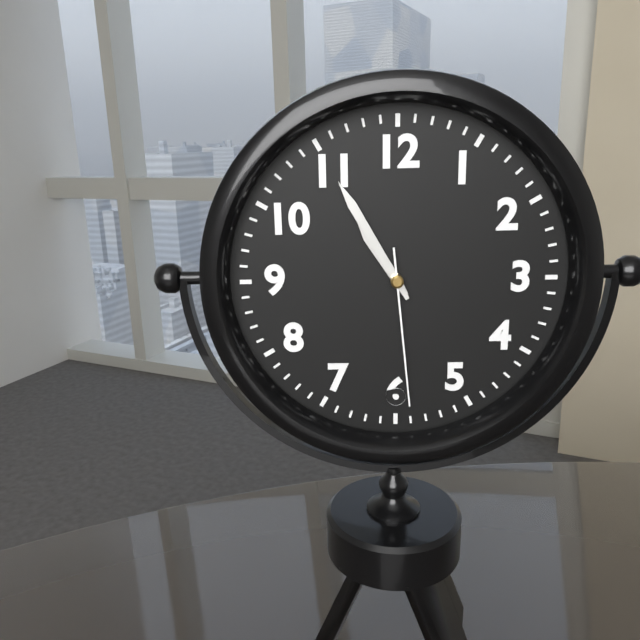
10:55:29
